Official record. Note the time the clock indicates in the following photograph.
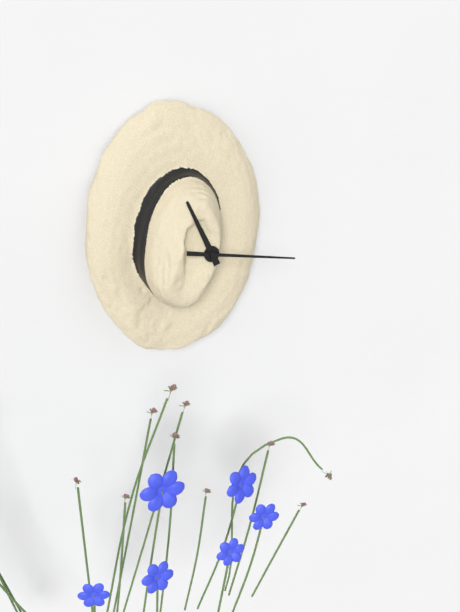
11:17
